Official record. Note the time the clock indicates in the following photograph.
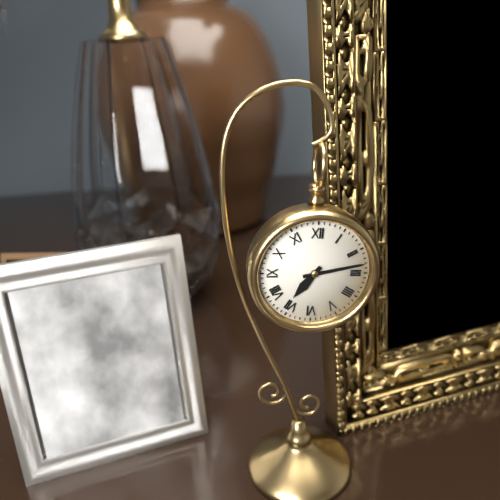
7:13
